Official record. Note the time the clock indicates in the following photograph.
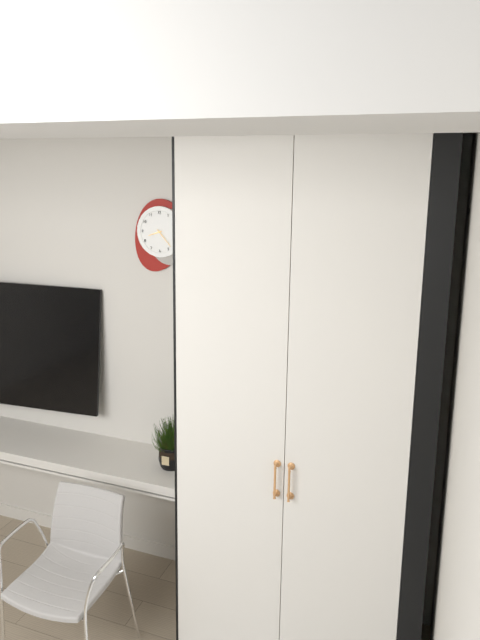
8:23
